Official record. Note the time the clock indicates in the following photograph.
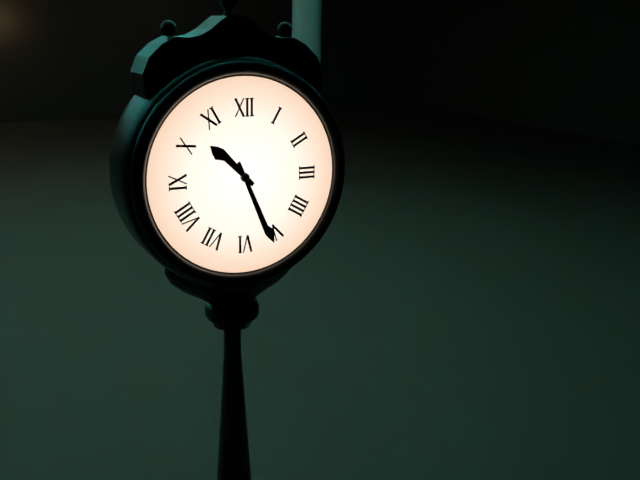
10:26
